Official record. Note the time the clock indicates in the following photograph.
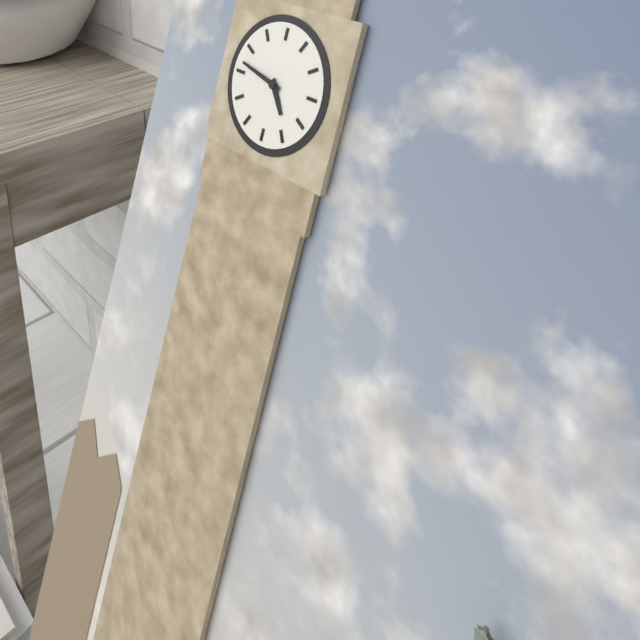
4:47
